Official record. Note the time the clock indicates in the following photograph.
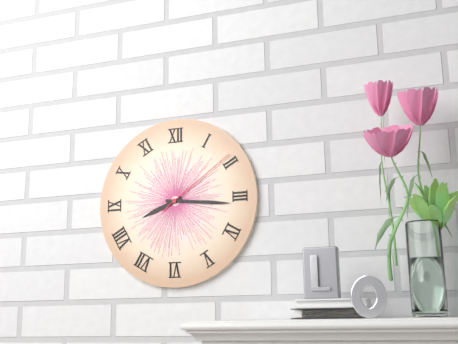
8:16:09
